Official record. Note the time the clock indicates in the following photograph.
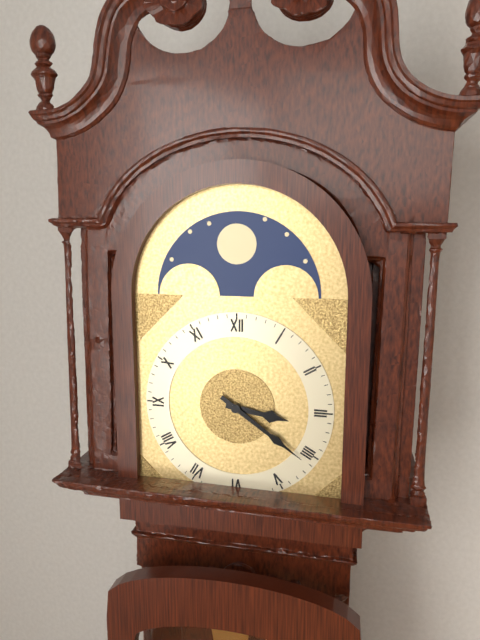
3:21
